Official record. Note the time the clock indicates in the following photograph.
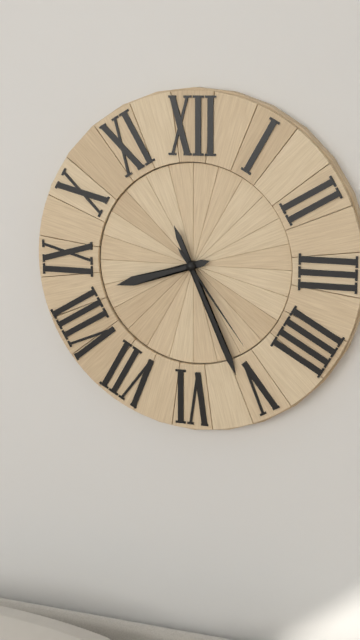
8:26:24
